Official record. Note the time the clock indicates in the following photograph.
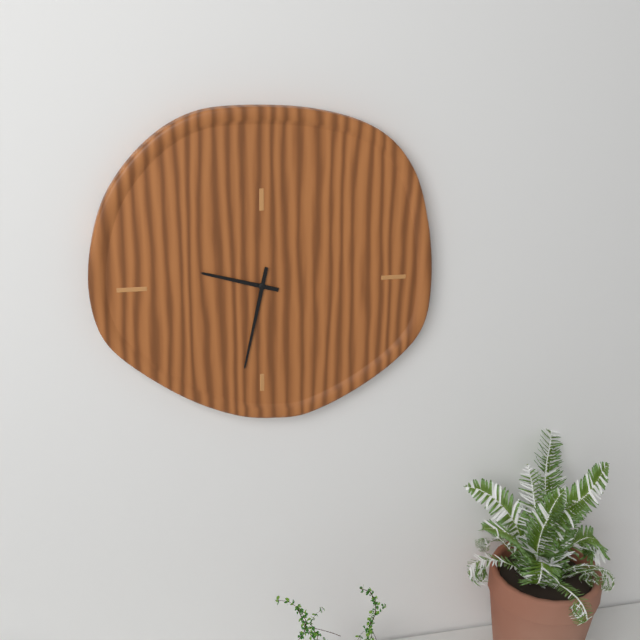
9:32
